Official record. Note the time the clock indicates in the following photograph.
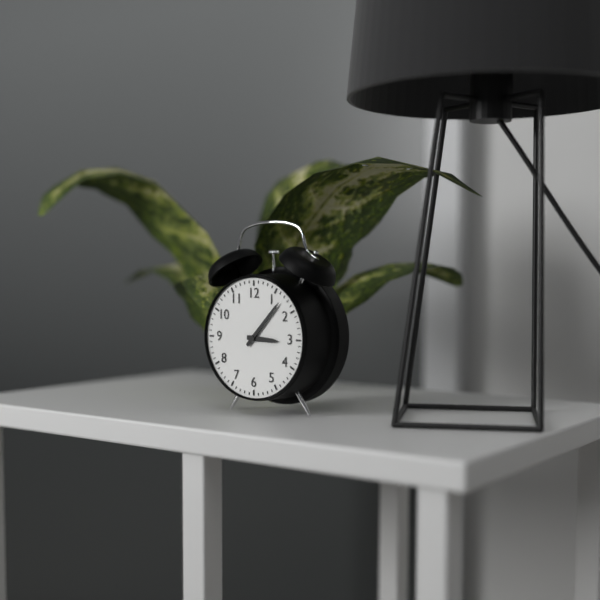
3:07
